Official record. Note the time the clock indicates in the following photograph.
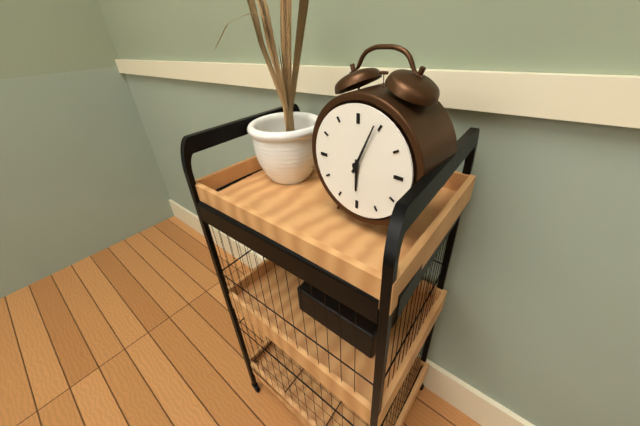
6:04
